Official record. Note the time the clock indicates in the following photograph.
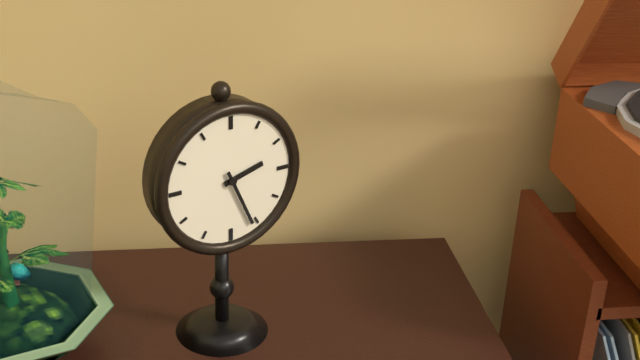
2:26
